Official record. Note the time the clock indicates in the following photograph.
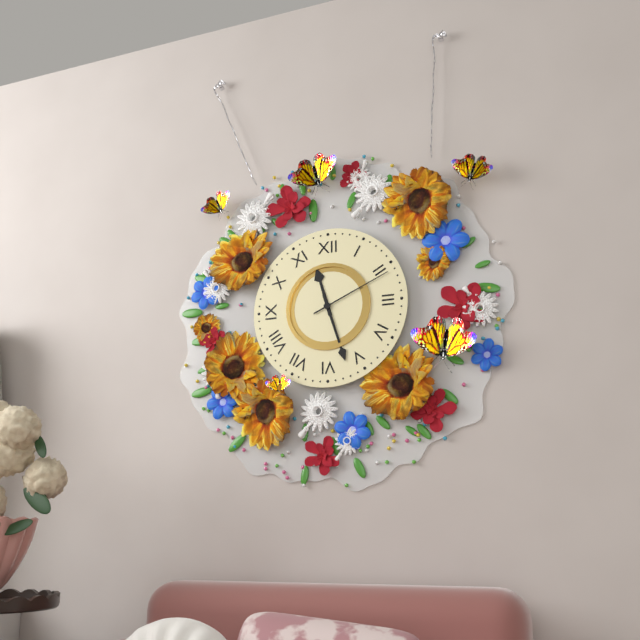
11:27:11
